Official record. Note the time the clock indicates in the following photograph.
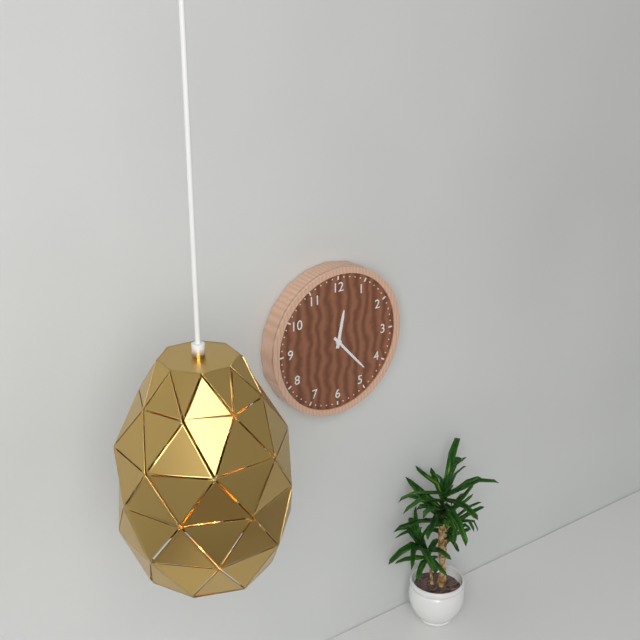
12:23
